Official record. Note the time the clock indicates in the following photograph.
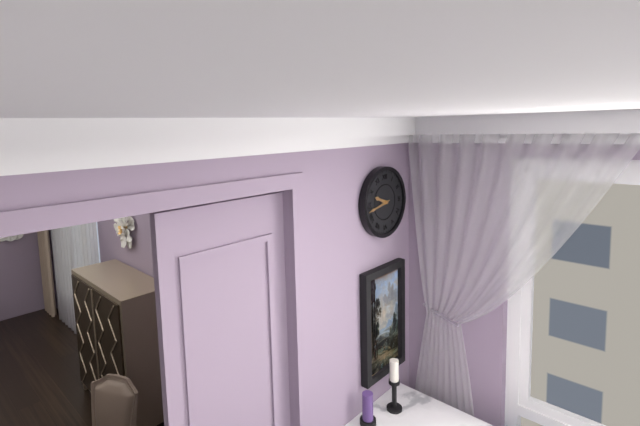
9:43
